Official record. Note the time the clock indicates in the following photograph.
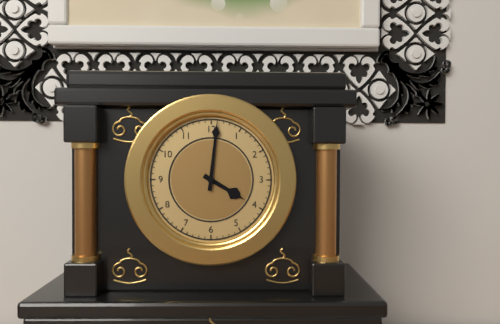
4:01
